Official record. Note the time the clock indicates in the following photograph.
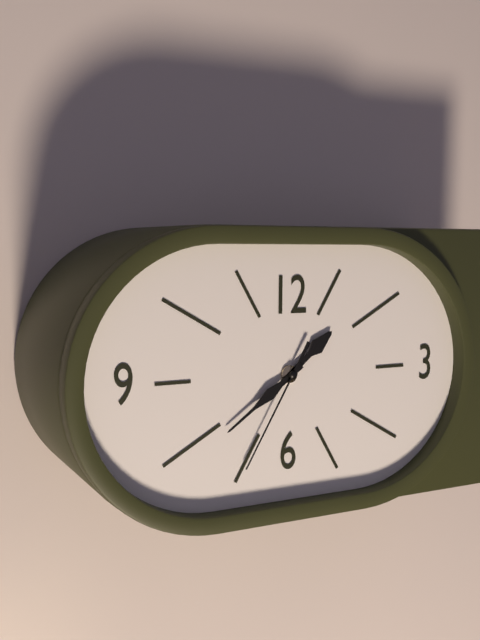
1:39:35
